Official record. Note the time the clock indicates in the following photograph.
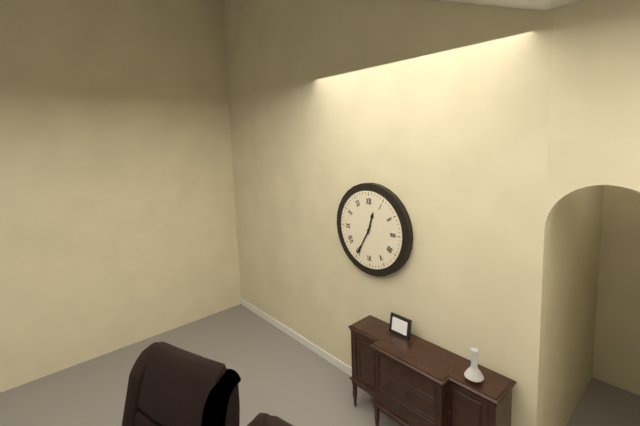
12:35
